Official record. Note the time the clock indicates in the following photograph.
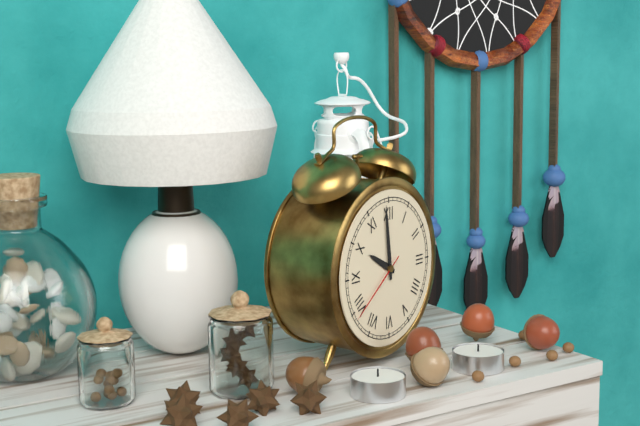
9:59:39
